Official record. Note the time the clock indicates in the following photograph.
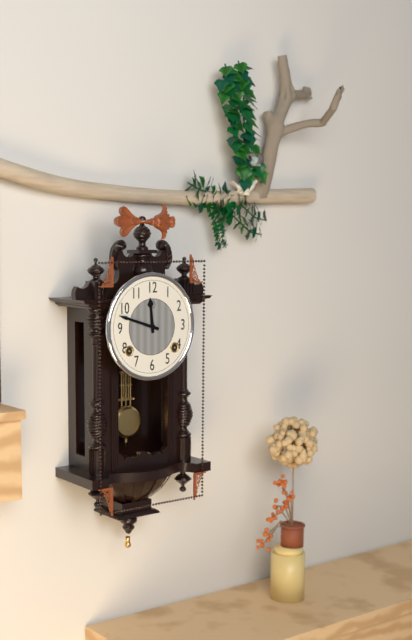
11:48
